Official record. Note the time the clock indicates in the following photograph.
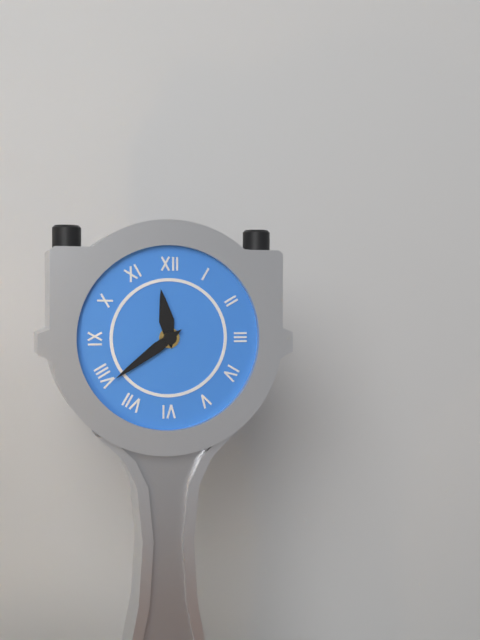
11:39
